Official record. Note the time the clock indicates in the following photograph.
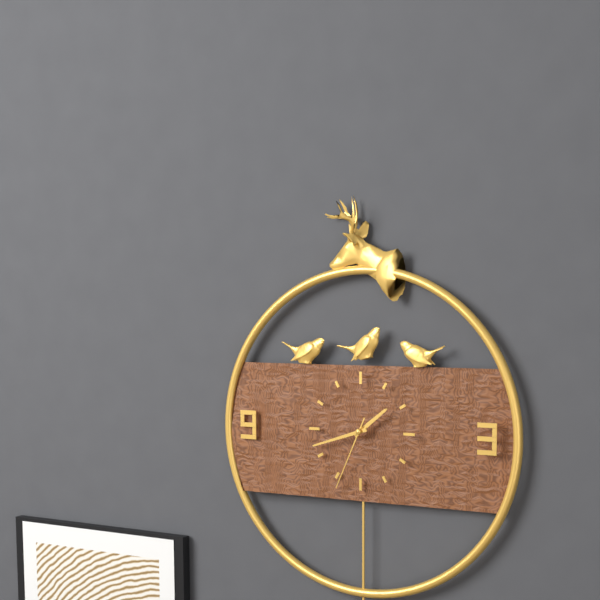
1:42:34
